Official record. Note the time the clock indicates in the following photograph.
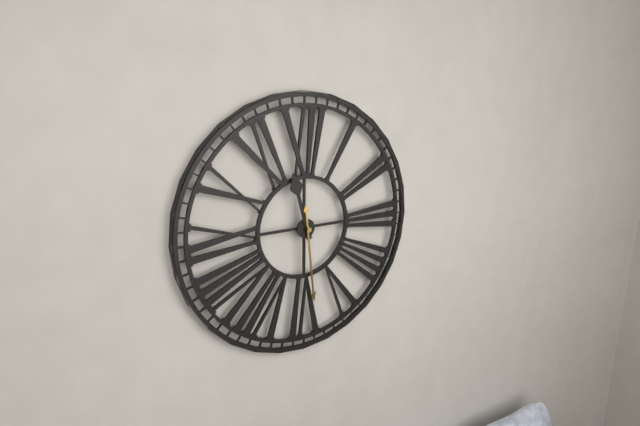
11:29
